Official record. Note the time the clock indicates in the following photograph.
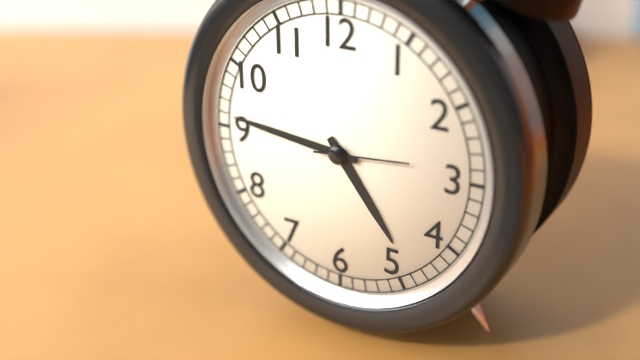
4:46:14
